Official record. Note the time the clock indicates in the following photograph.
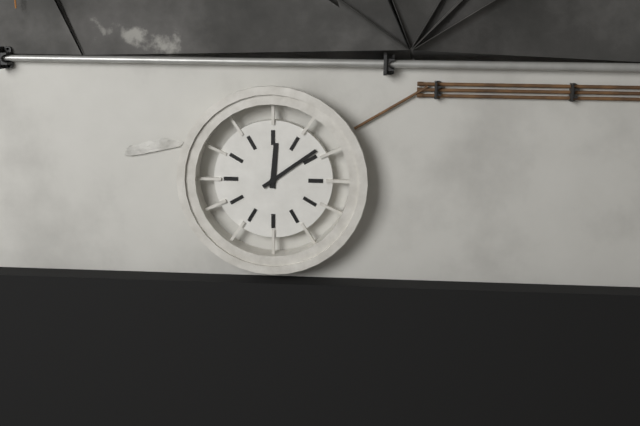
12:09
